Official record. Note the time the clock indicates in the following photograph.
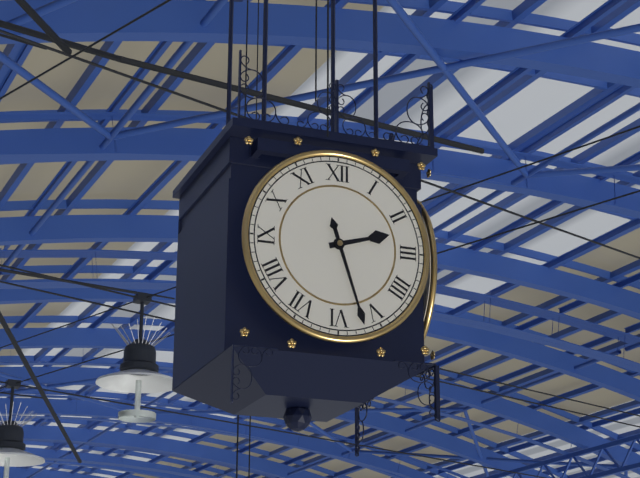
2:27
